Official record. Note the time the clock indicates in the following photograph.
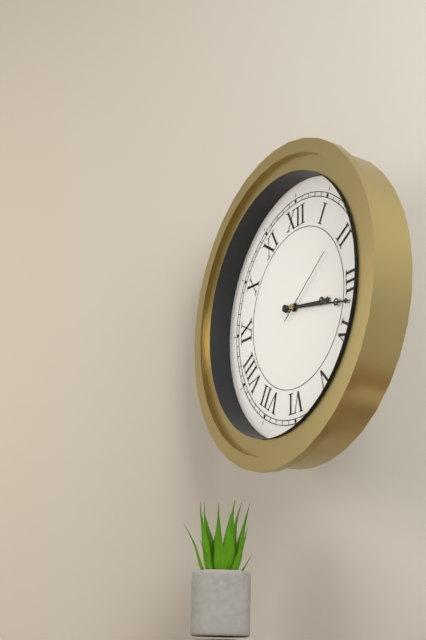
3:17:09
